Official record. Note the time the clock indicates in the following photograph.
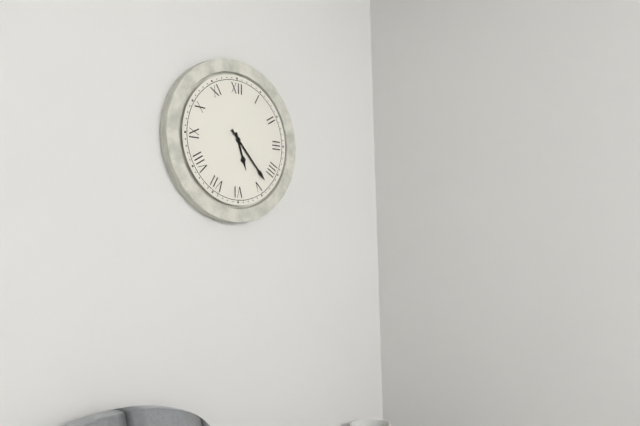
5:23
